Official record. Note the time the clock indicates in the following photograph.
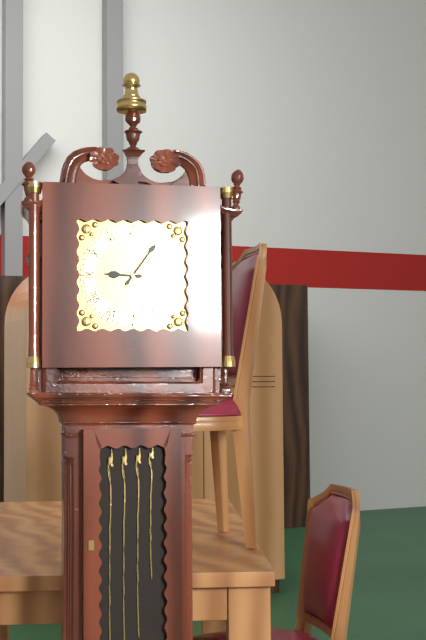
9:06
